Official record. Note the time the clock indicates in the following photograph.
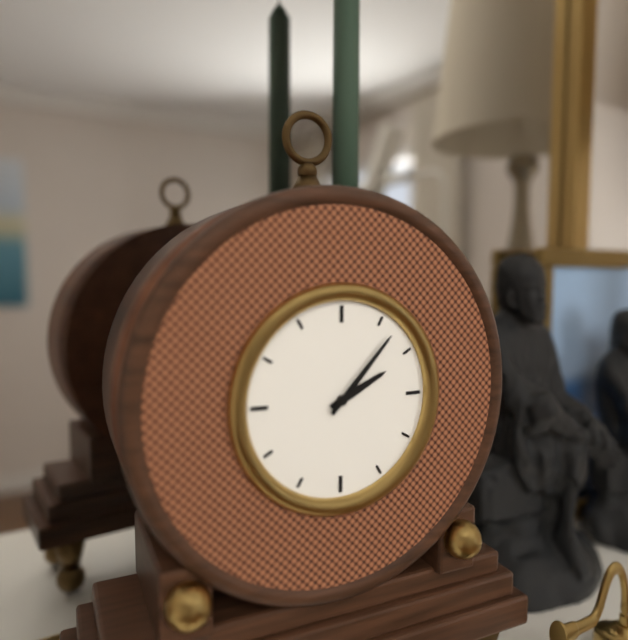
2:07
